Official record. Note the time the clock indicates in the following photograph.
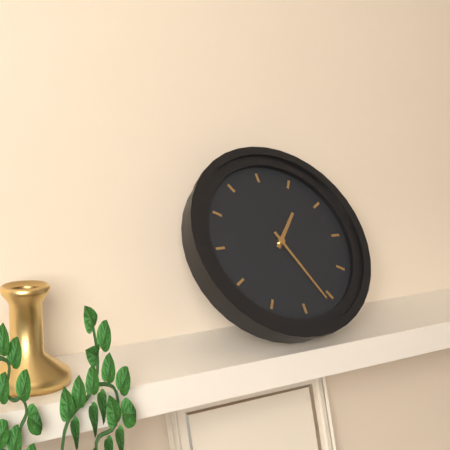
1:26
